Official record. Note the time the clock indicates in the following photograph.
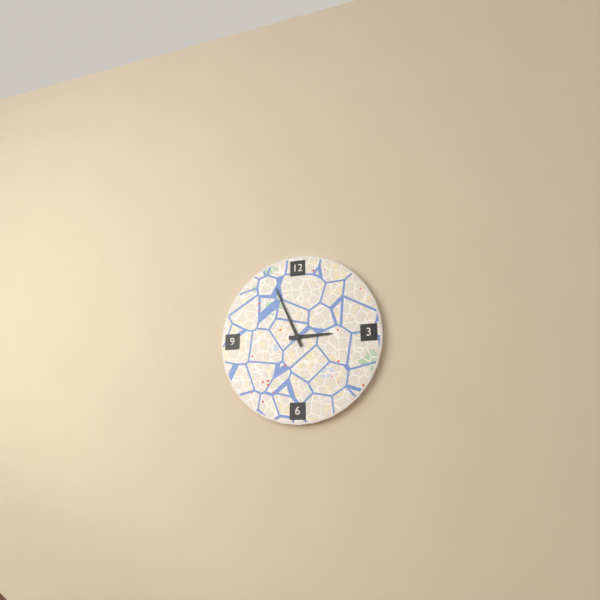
2:56
